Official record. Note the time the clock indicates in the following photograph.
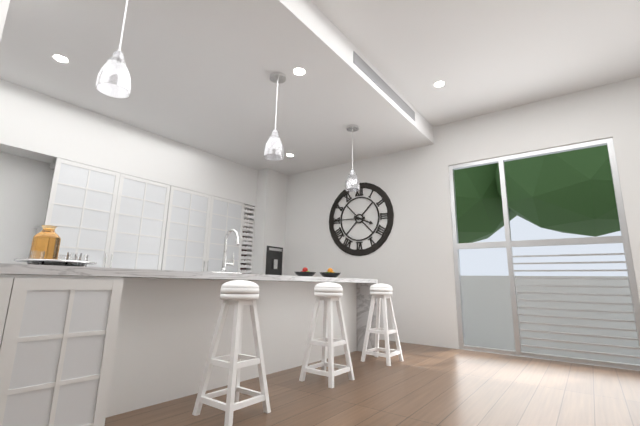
3:45
